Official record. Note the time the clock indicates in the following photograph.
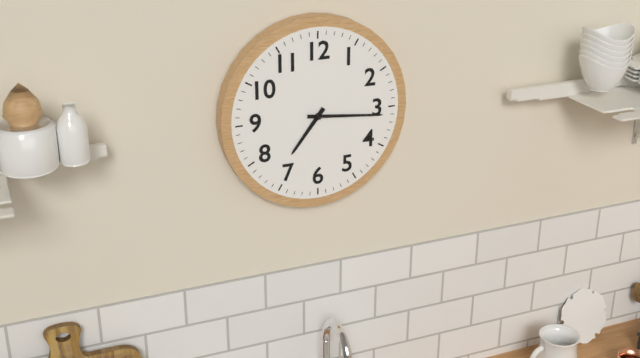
7:16
